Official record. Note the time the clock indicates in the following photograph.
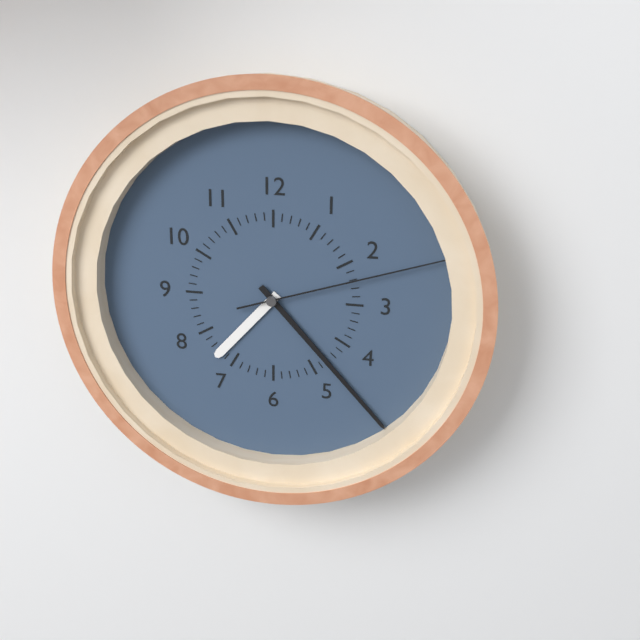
7:23:12
